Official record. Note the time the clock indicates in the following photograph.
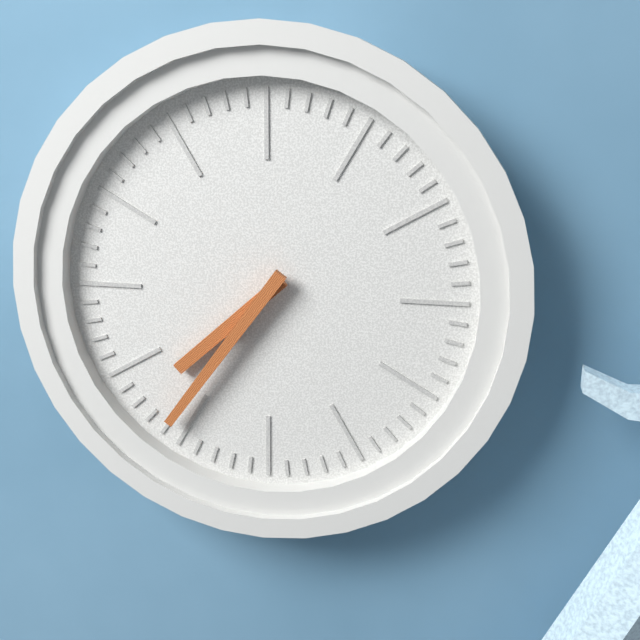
7:36
